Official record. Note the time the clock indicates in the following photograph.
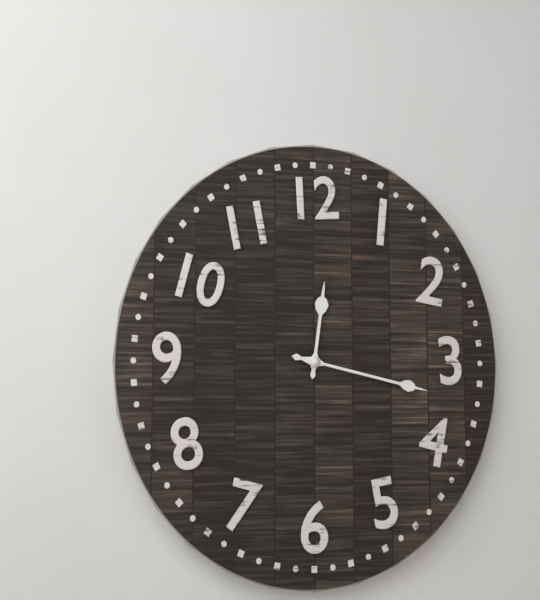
12:17
